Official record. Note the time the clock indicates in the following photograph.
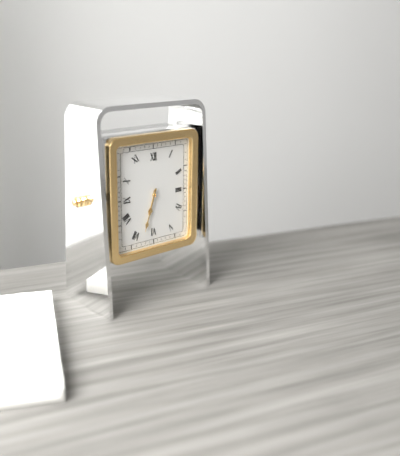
6:33
